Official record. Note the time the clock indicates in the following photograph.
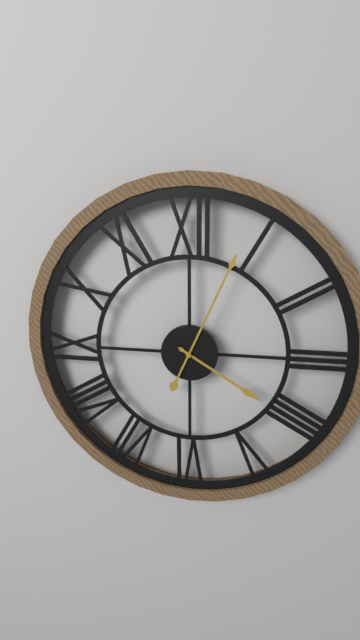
4:04
